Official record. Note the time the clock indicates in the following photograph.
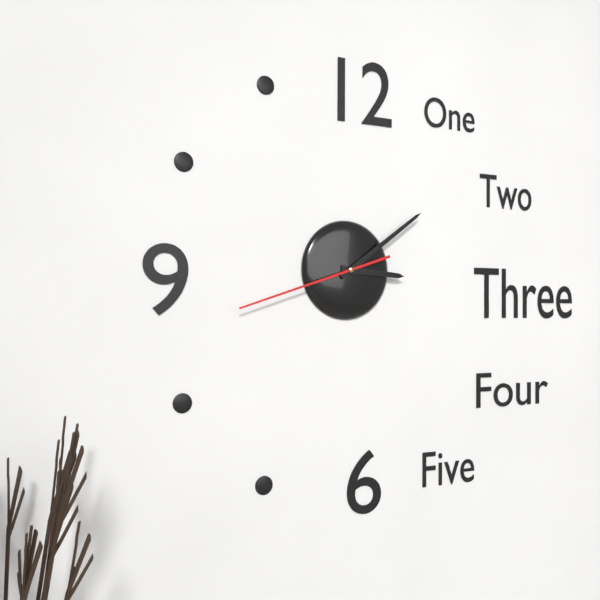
3:09:42
